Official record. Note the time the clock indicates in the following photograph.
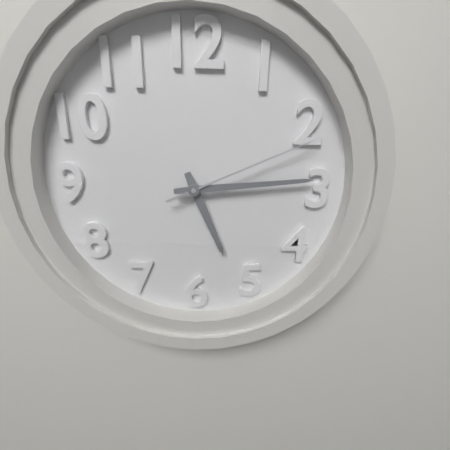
5:14:11
